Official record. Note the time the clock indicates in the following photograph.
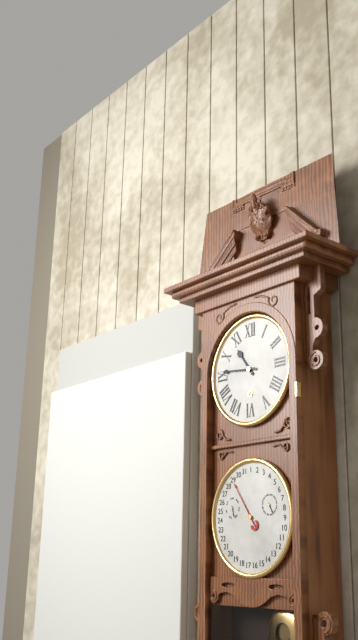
10:46
